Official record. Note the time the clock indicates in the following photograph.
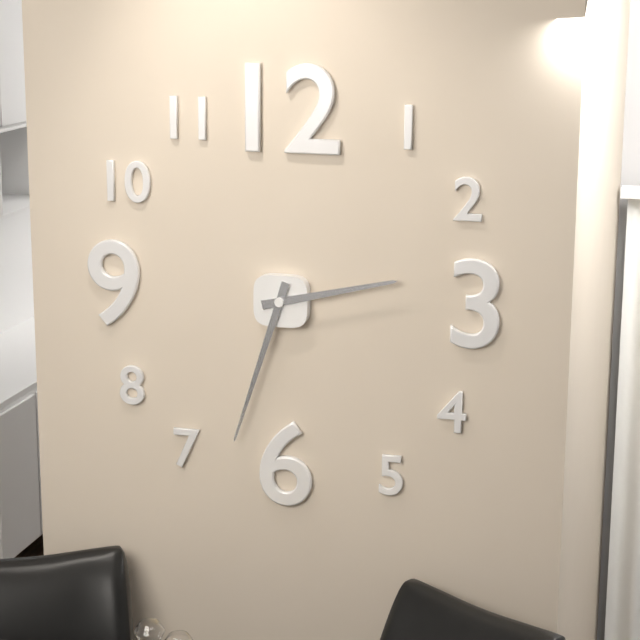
2:33
